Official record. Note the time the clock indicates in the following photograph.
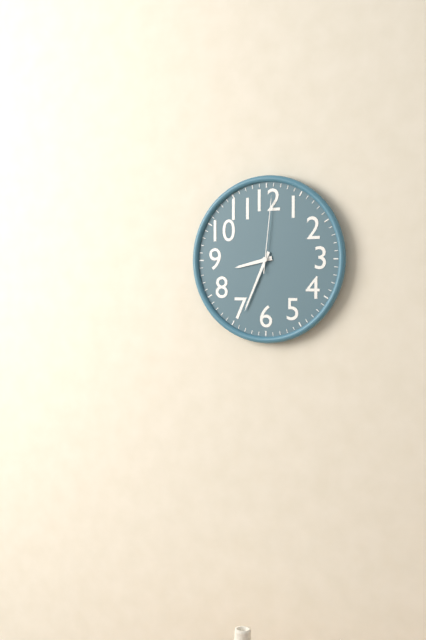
8:34:01
